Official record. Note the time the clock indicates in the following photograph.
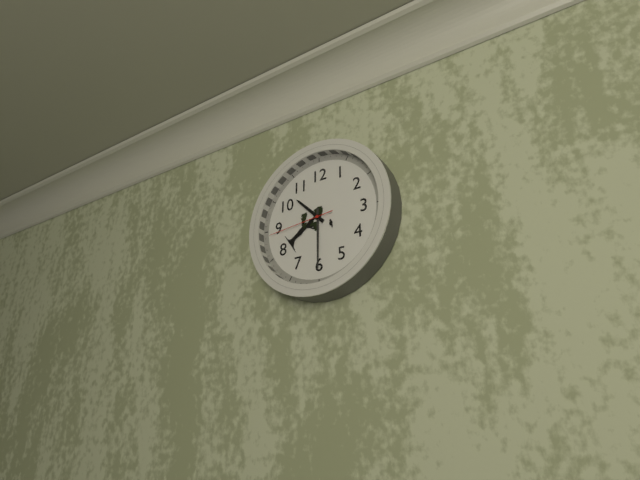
10:30:44
